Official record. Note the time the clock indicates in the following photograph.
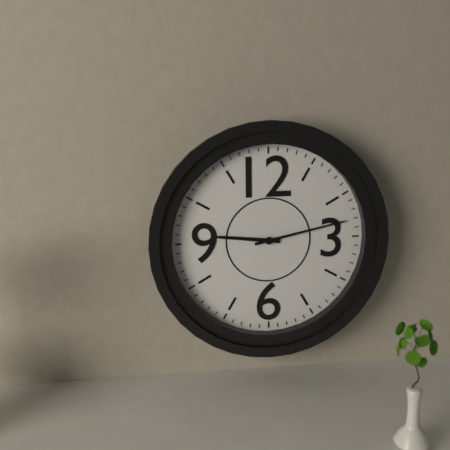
9:13
